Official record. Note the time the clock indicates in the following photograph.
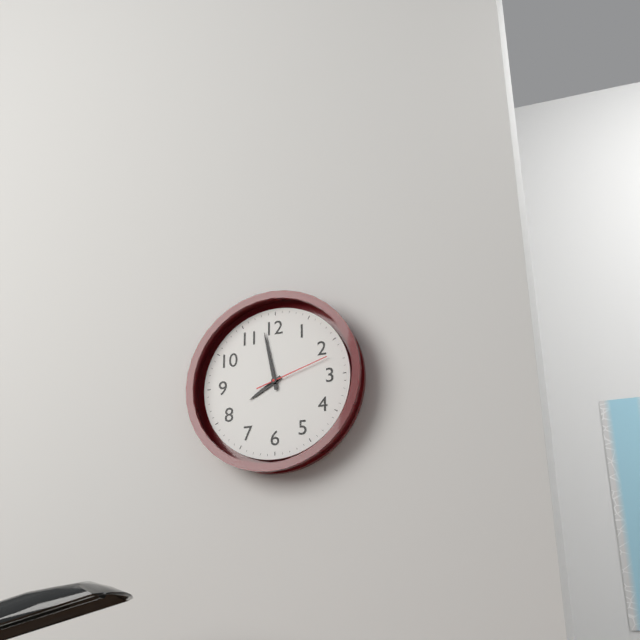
7:58:12
